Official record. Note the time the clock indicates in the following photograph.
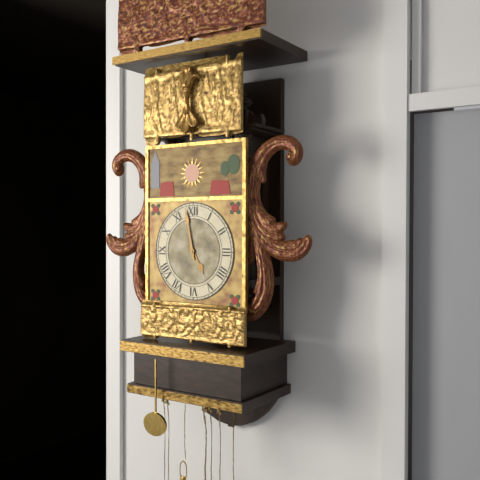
4:58
